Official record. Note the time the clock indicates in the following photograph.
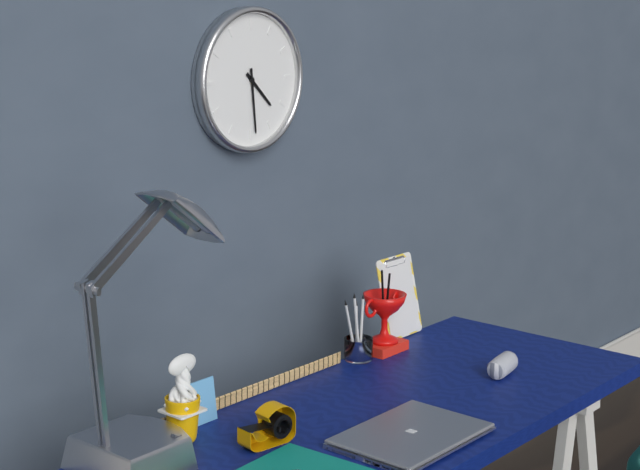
4:29
